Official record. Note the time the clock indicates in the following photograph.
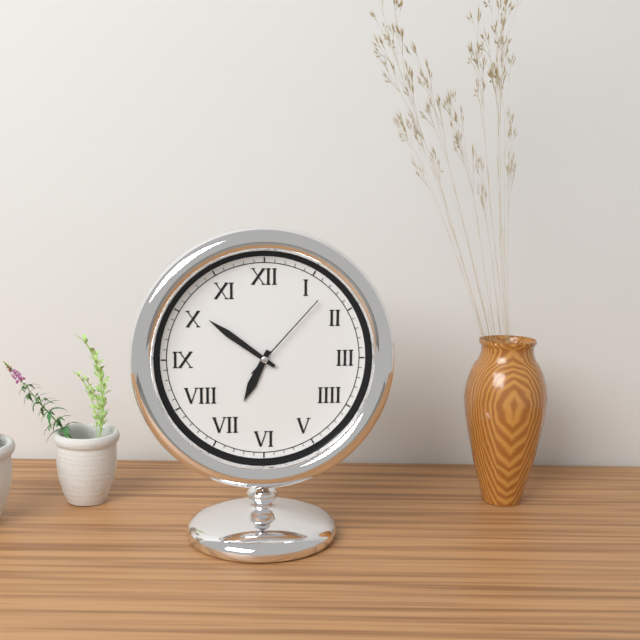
6:51:07
